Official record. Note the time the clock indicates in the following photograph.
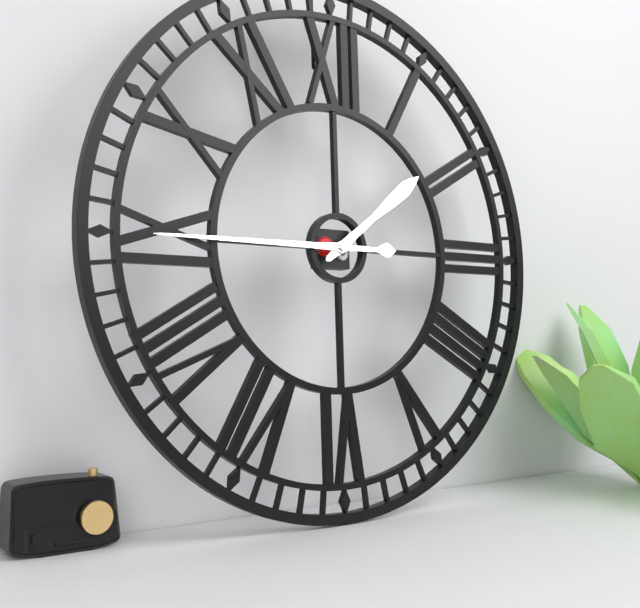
1:45
